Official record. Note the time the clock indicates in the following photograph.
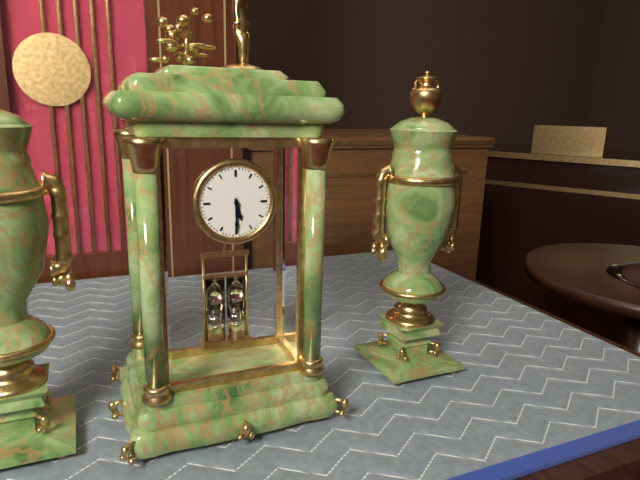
5:30
